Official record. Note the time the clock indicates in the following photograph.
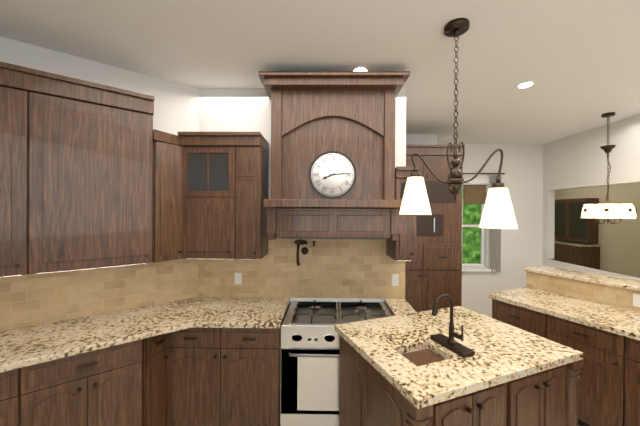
8:14
